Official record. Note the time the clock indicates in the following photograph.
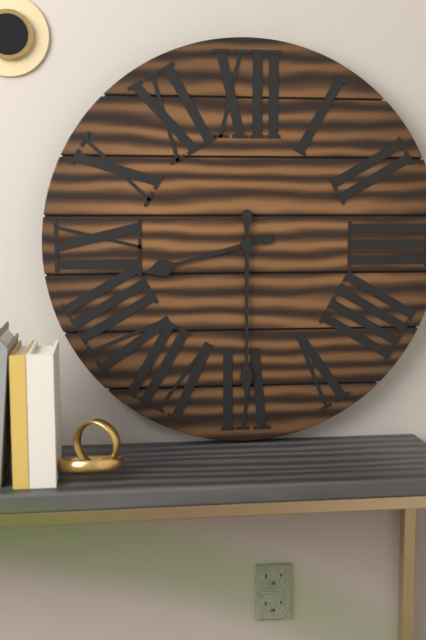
8:30
